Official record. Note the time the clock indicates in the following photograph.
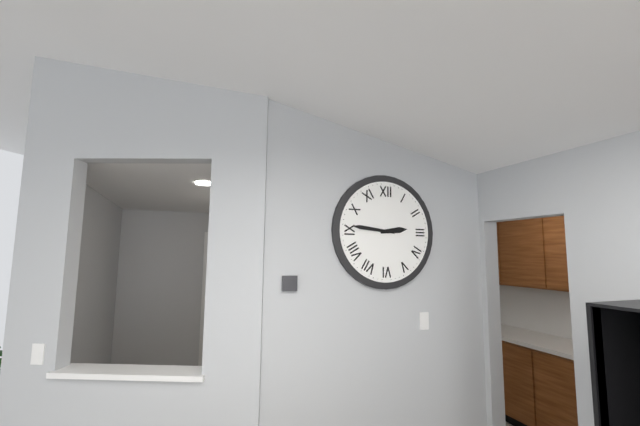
2:46
